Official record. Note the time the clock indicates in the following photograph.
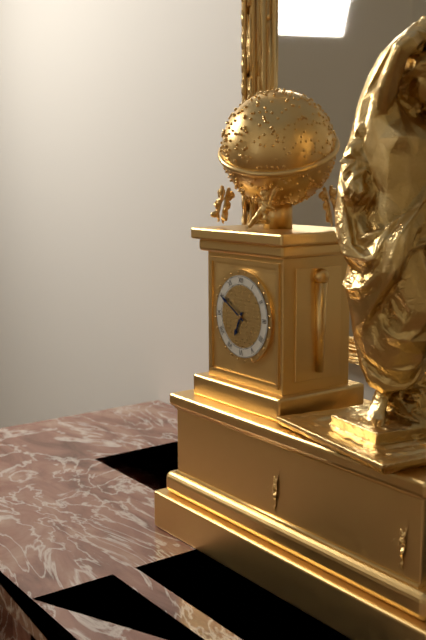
6:50
